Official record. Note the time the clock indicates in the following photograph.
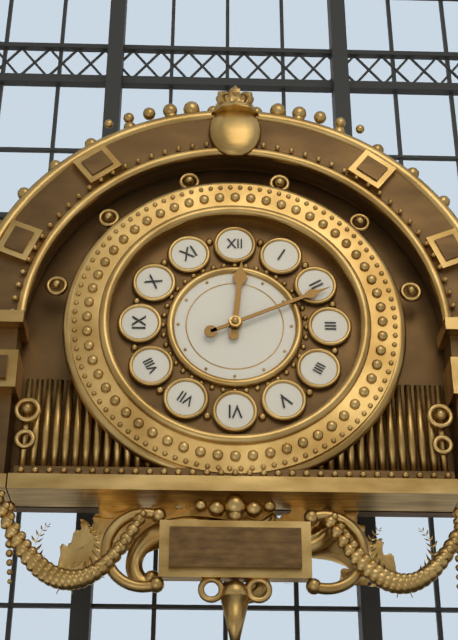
12:11
